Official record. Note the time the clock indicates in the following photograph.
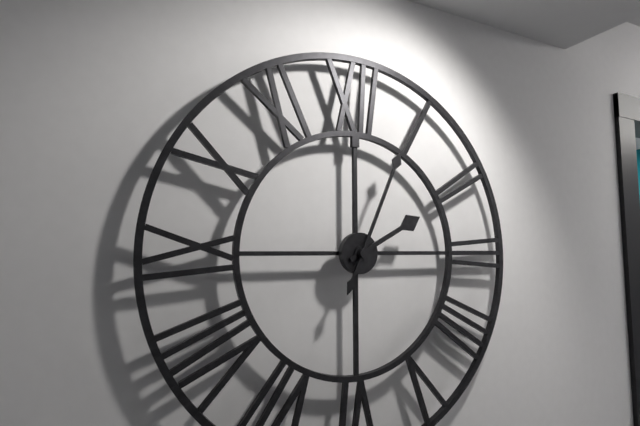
2:04
